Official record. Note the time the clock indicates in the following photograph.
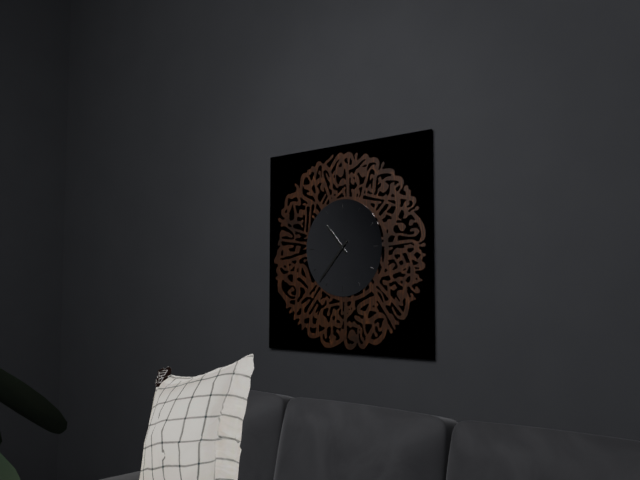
10:37
